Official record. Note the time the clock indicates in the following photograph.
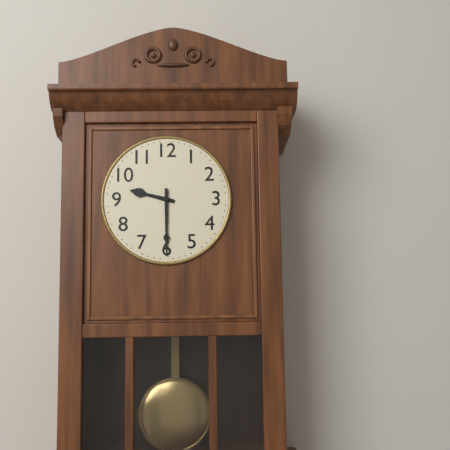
9:30
